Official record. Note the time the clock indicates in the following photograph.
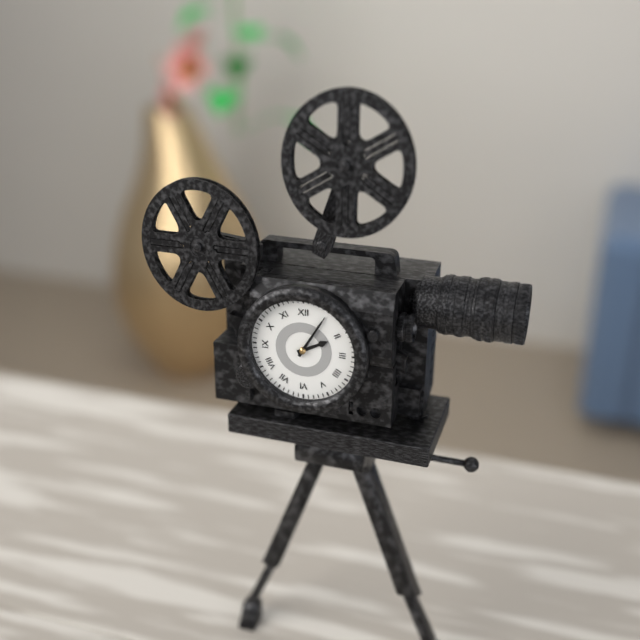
2:05
